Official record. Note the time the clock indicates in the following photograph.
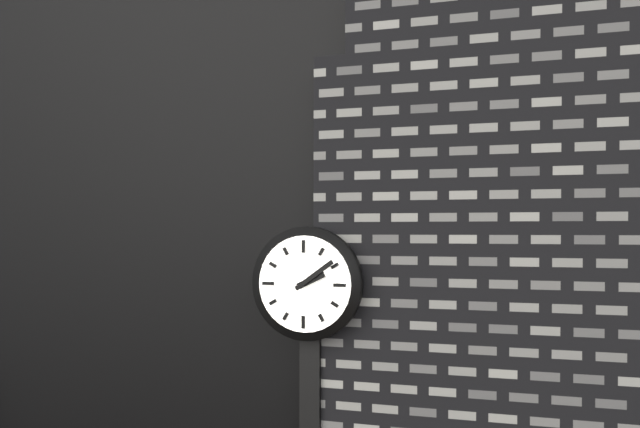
2:09
